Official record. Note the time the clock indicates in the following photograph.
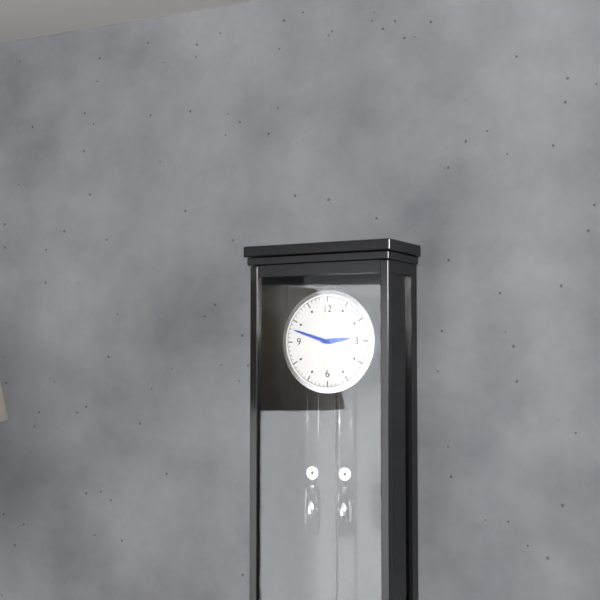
2:48
